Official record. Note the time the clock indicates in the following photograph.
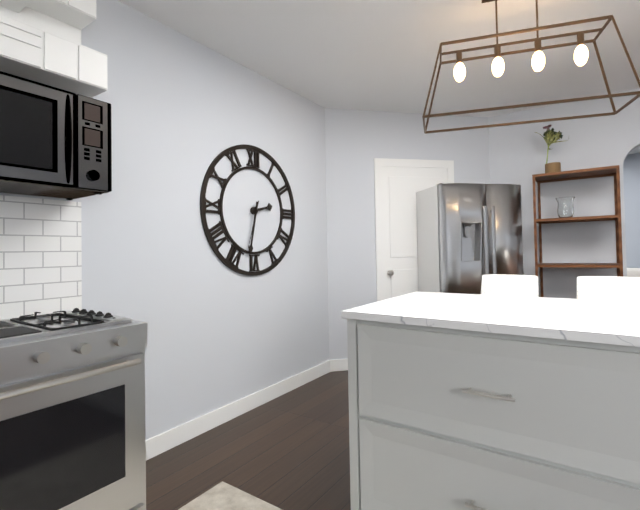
2:32
